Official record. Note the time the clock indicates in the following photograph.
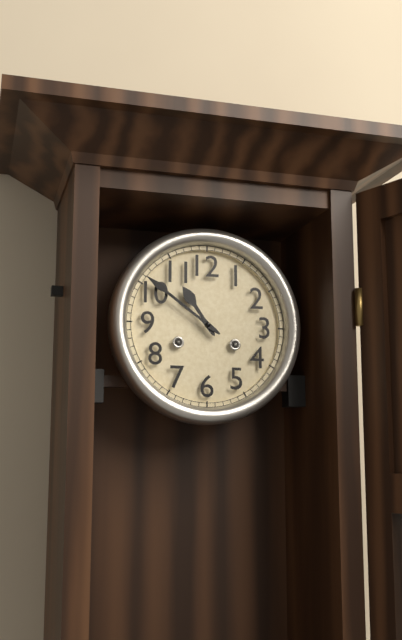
10:51
